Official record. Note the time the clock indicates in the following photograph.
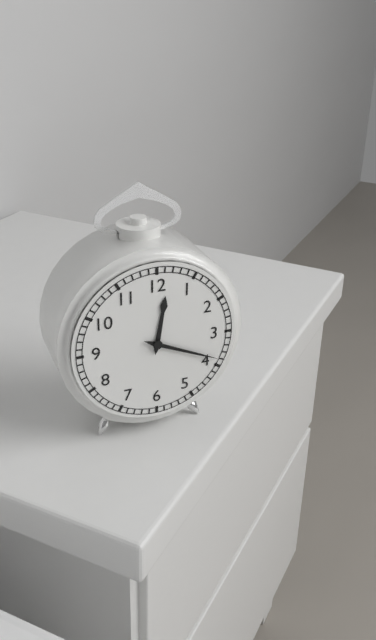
12:19
